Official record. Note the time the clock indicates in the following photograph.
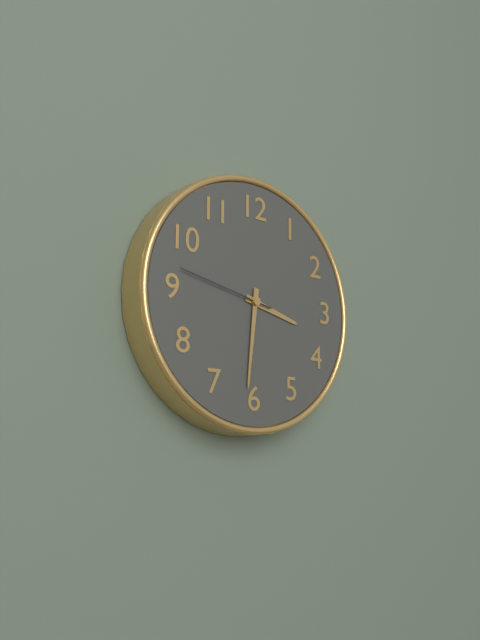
3:31:47
